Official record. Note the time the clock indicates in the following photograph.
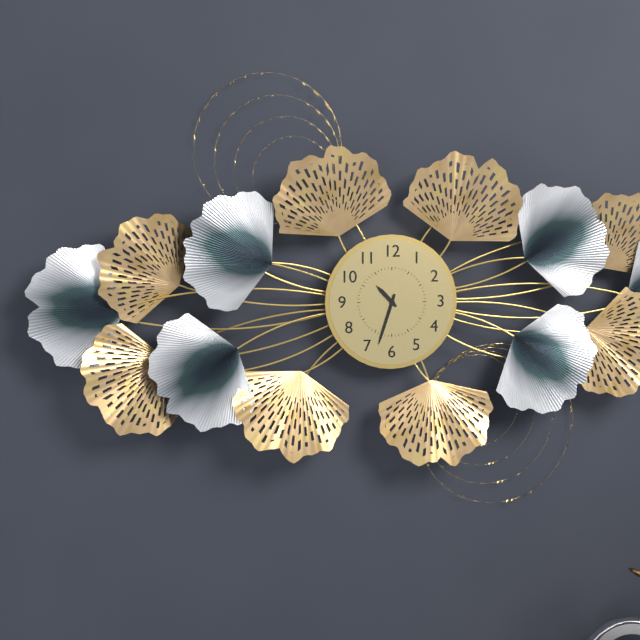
10:33
